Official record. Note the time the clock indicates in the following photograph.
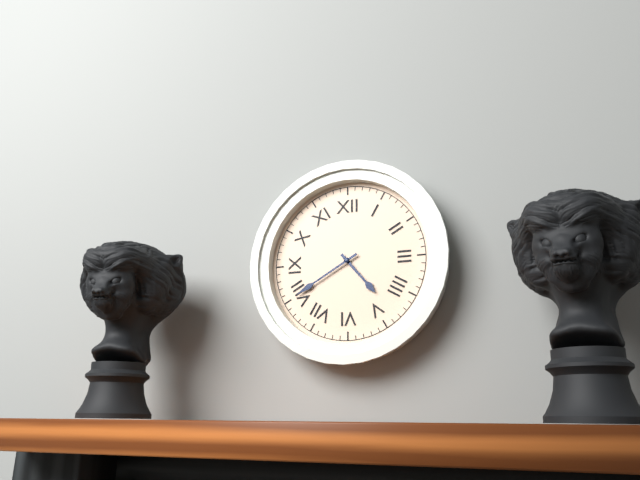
4:40
